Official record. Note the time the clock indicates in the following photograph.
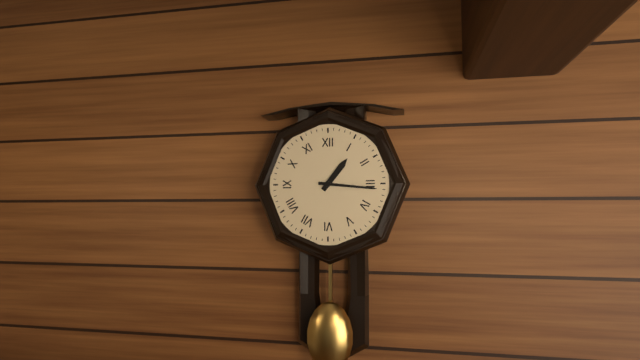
1:16
